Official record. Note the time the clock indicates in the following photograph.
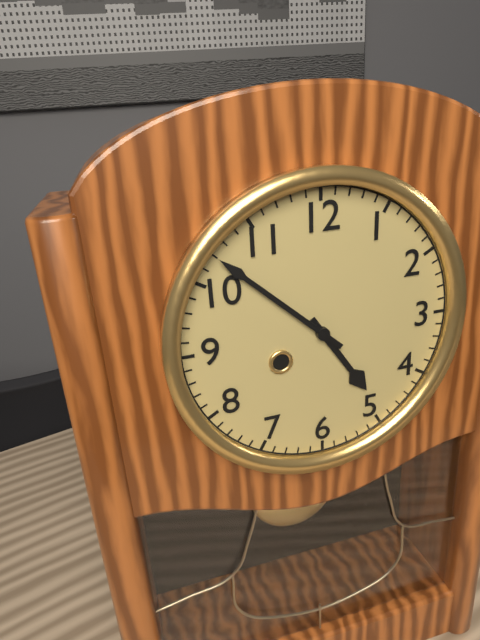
4:52
